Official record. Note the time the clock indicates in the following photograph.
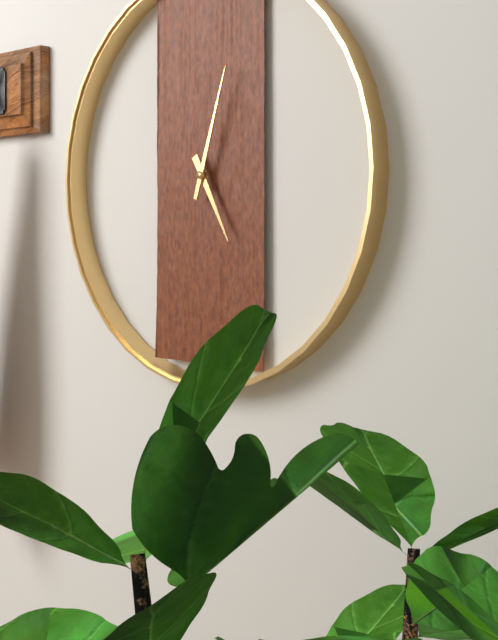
5:03
